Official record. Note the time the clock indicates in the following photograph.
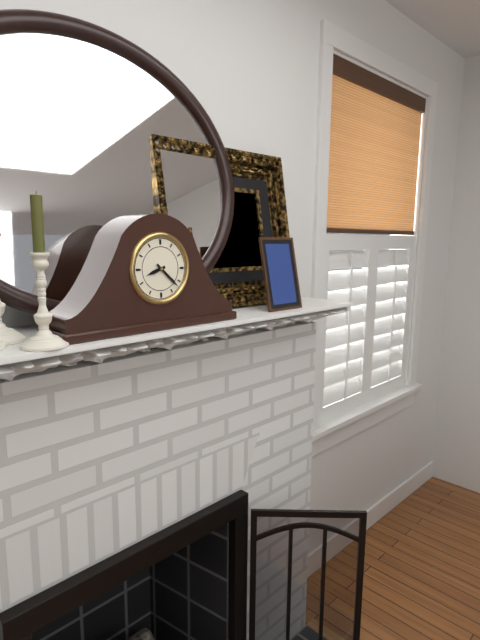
8:22
